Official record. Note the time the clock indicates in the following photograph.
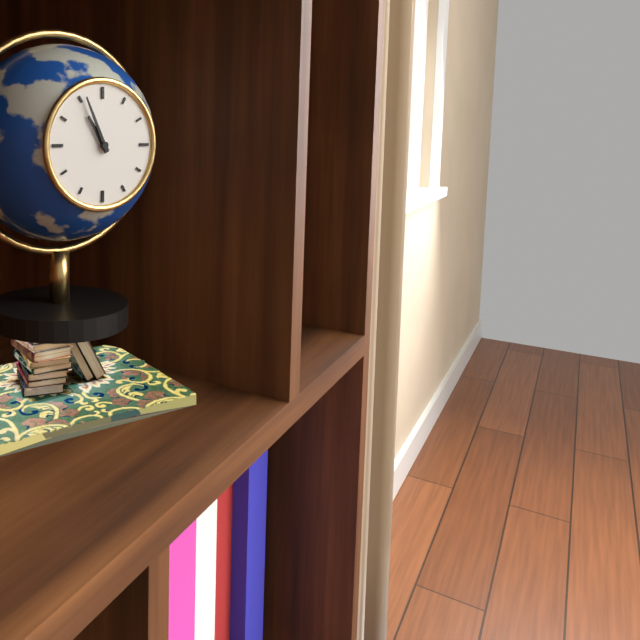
10:56
